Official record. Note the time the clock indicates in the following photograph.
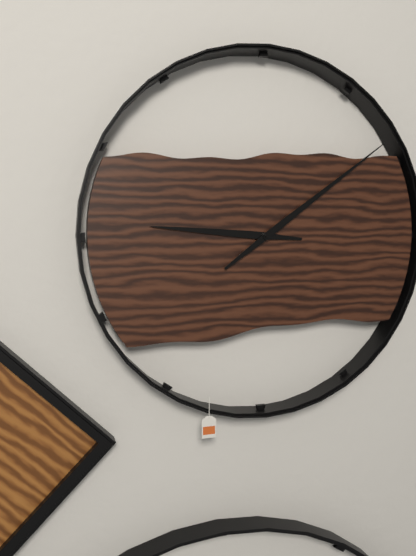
9:09
